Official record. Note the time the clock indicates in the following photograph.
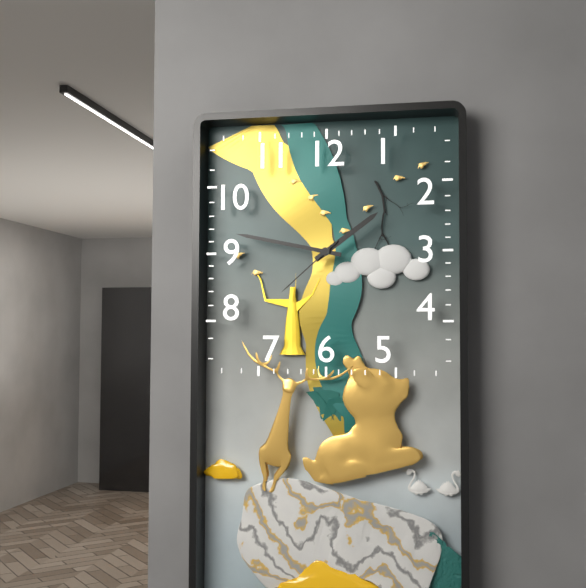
1:47:38
